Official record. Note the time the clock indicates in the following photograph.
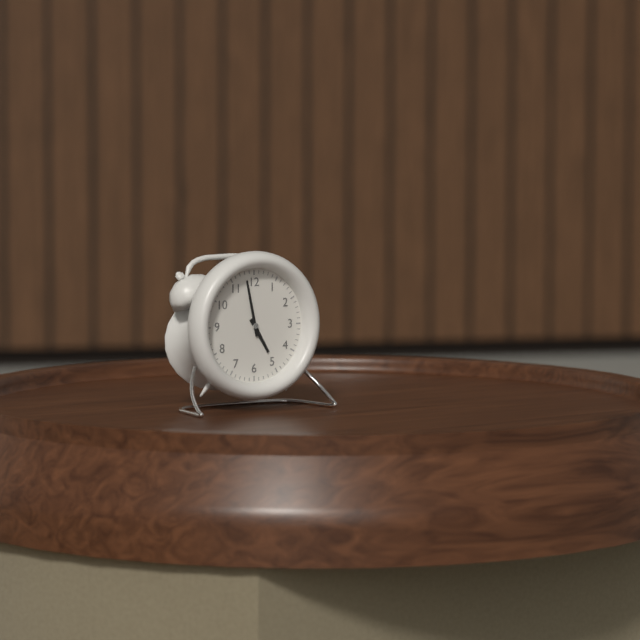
4:58
